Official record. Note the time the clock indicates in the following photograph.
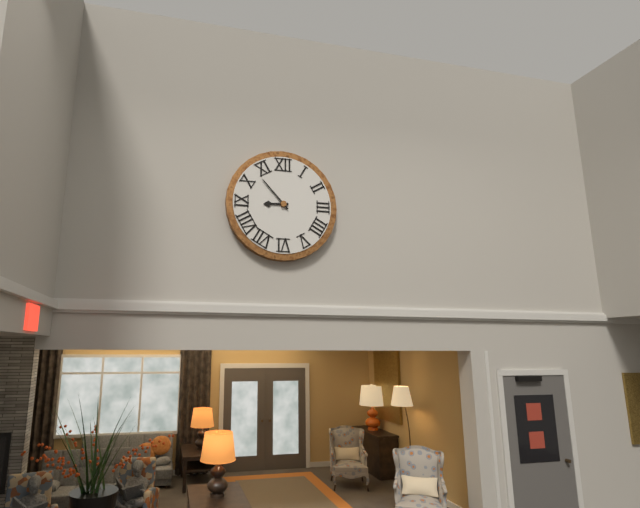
8:53
